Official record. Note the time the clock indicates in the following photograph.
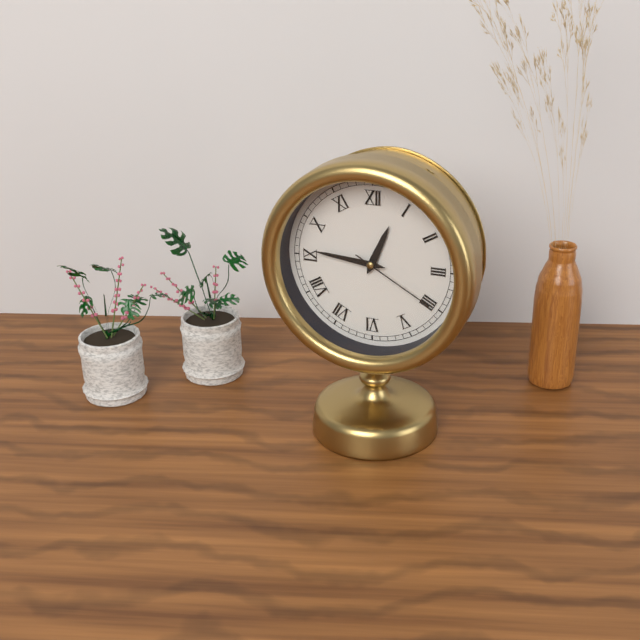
12:46:20
